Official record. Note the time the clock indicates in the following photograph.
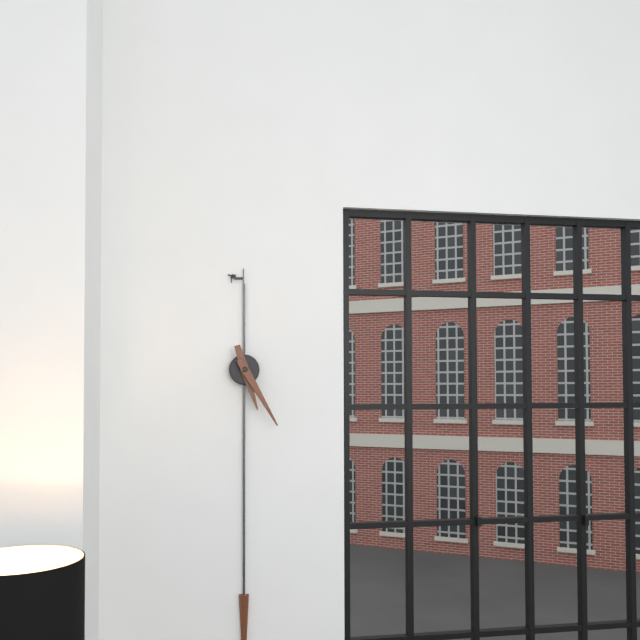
5:25
